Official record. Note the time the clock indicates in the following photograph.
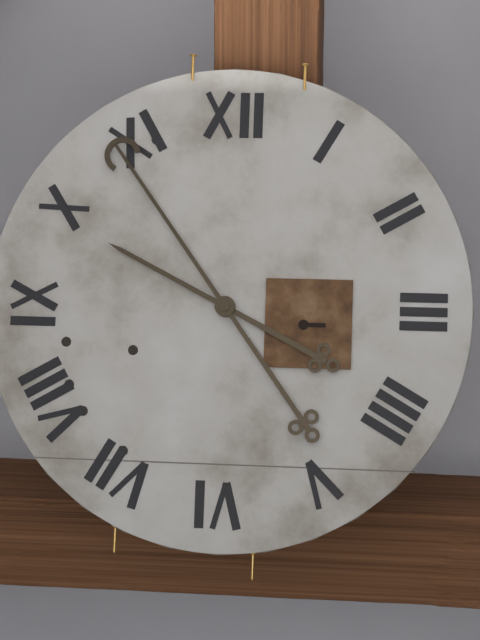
9:54
